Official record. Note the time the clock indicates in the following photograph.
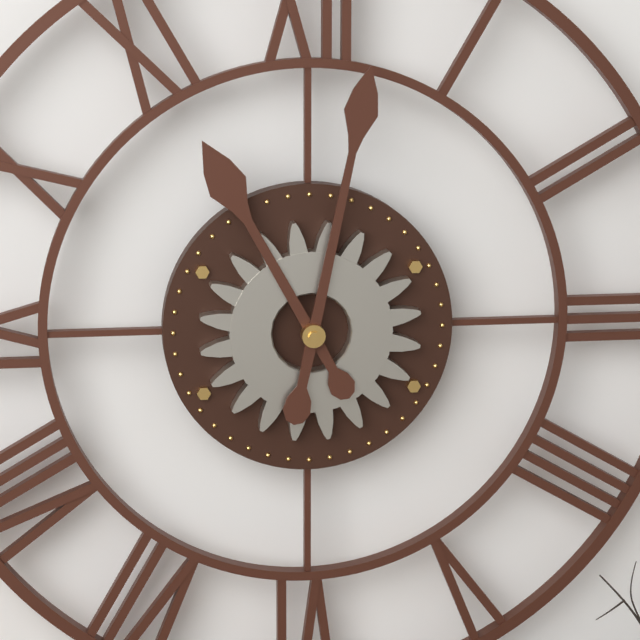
11:02
